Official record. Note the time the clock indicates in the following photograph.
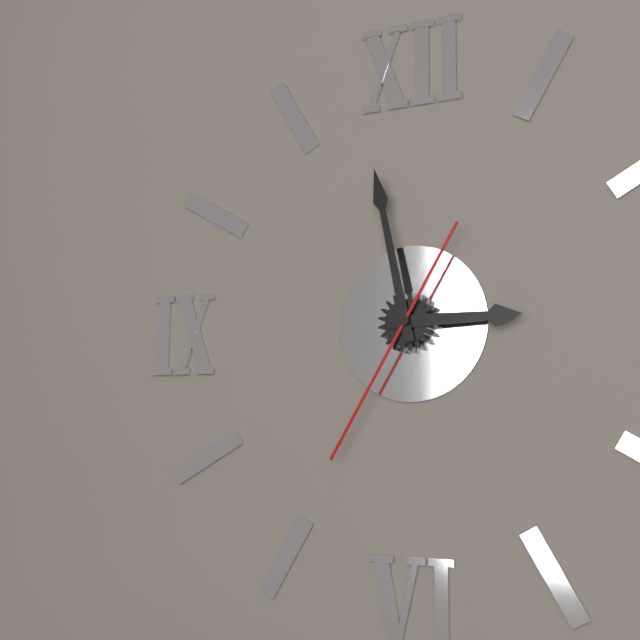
2:58:35
